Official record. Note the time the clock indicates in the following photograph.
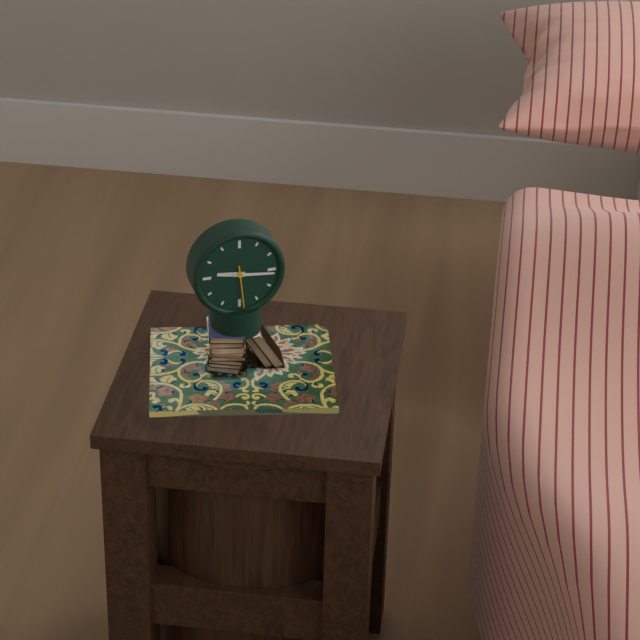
9:16:29
